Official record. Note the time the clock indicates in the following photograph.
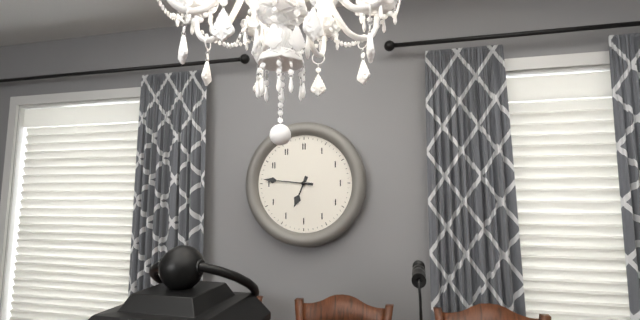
6:46
